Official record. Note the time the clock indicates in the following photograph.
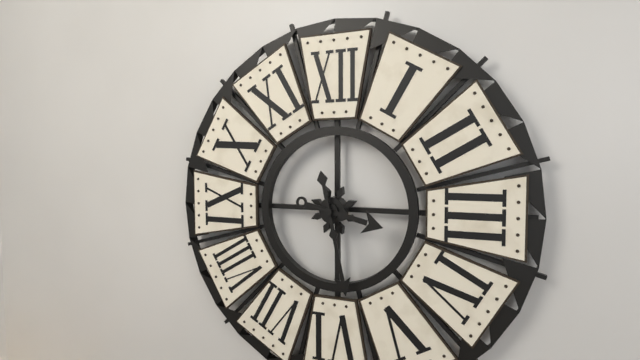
3:28
